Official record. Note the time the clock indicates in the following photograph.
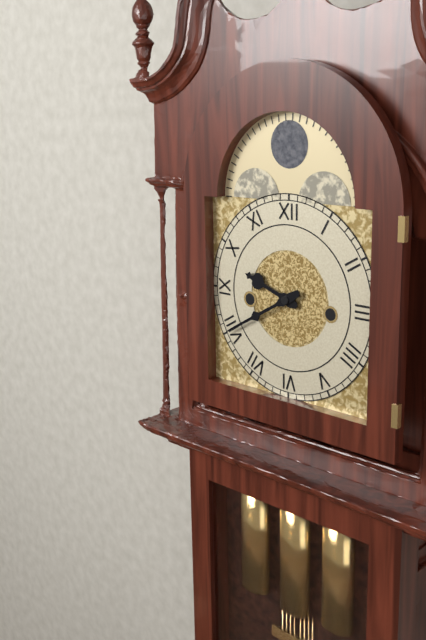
9:40
